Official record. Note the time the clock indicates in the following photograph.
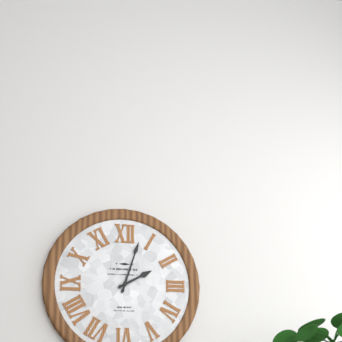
2:03
